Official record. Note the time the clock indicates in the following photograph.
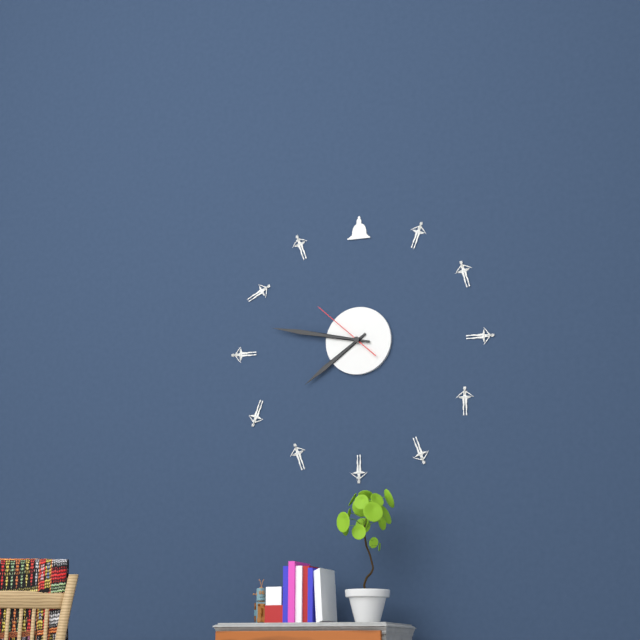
7:47:52
